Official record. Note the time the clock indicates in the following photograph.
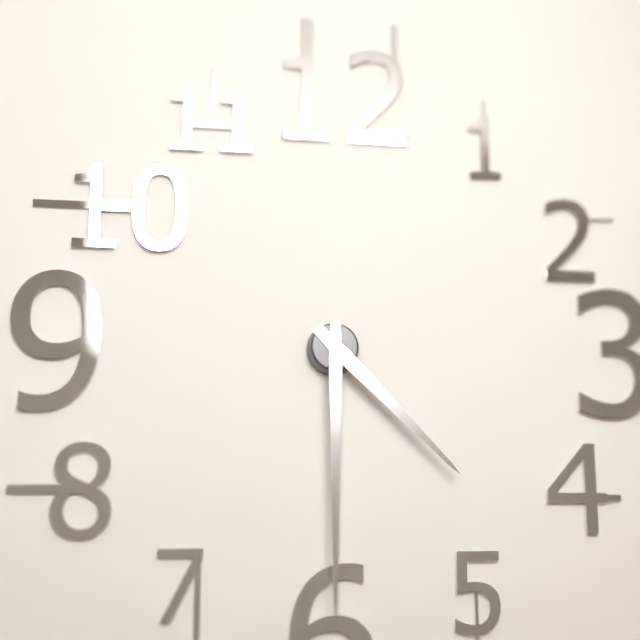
4:30
